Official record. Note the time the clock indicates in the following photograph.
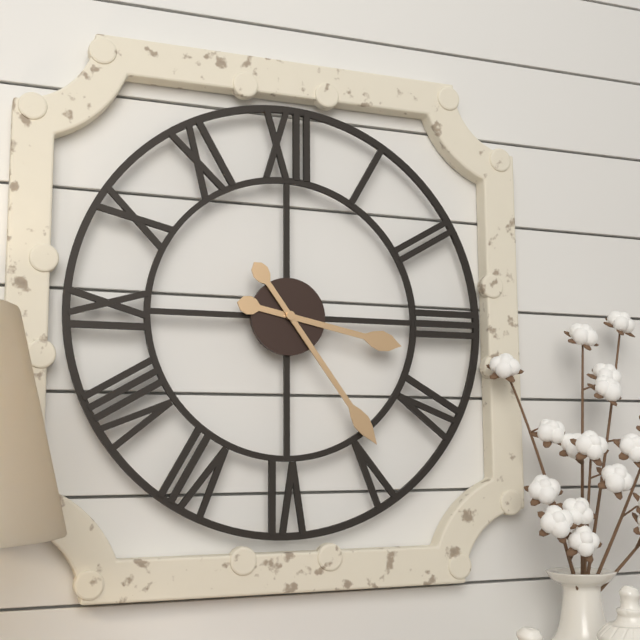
3:24
